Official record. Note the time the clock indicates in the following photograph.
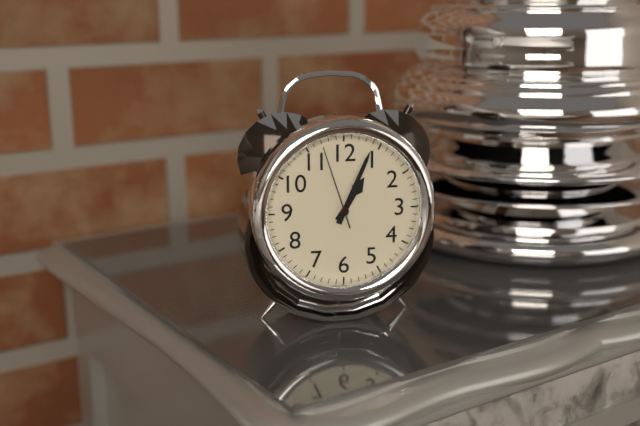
1:04:57
